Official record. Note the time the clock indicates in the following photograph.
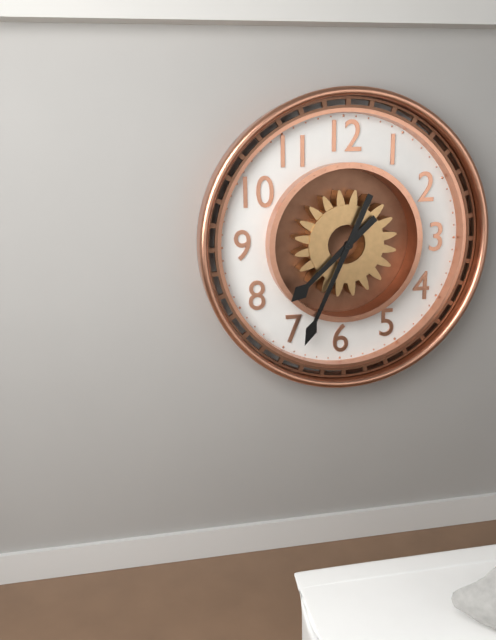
7:34
